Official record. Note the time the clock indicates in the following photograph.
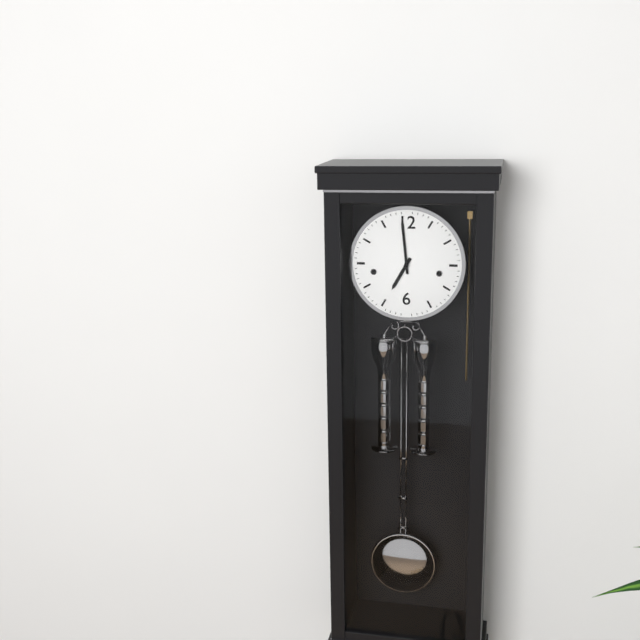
6:59
